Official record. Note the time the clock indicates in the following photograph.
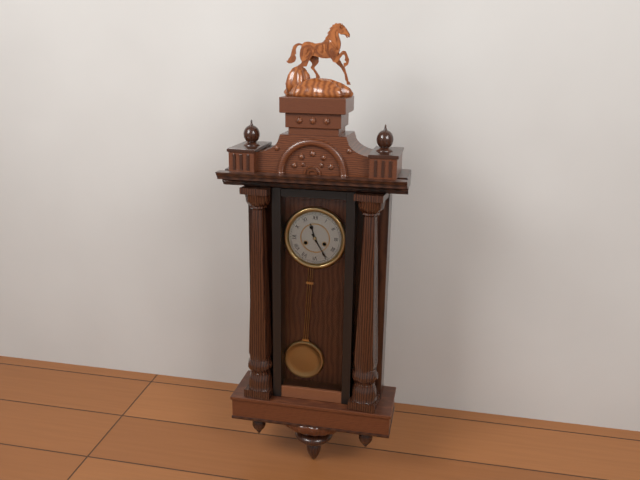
11:25
